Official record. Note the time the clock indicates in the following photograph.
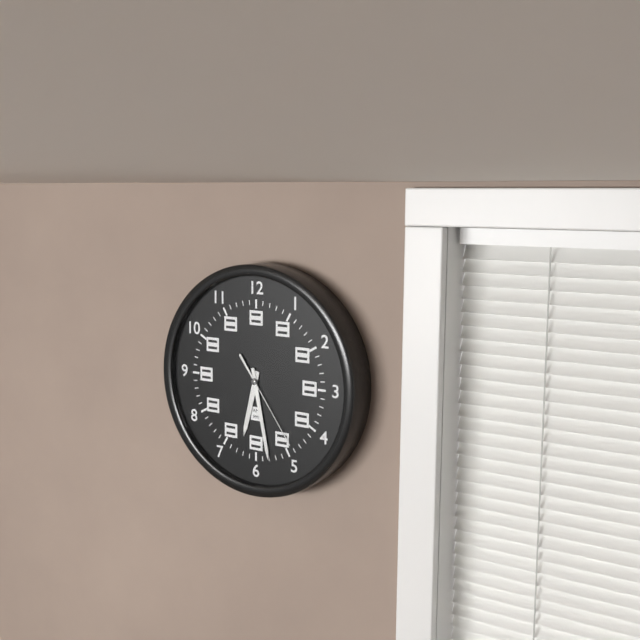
6:28:24
